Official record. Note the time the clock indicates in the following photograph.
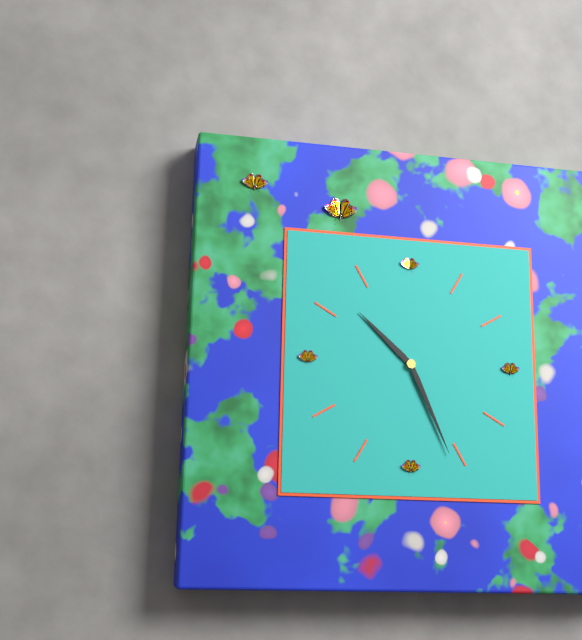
10:26
